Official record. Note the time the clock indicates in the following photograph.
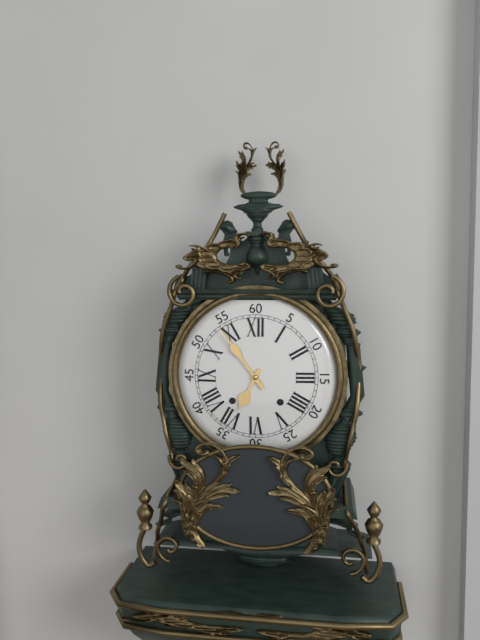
6:54
